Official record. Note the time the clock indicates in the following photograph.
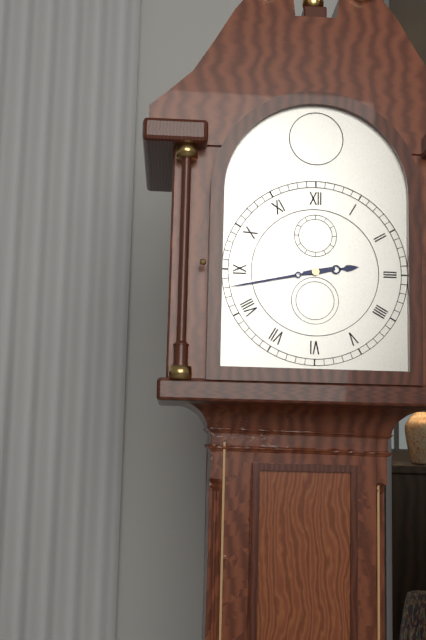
2:43
